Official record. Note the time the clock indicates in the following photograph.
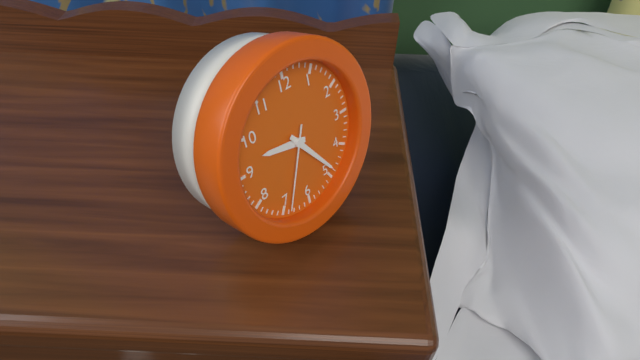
9:24:34
